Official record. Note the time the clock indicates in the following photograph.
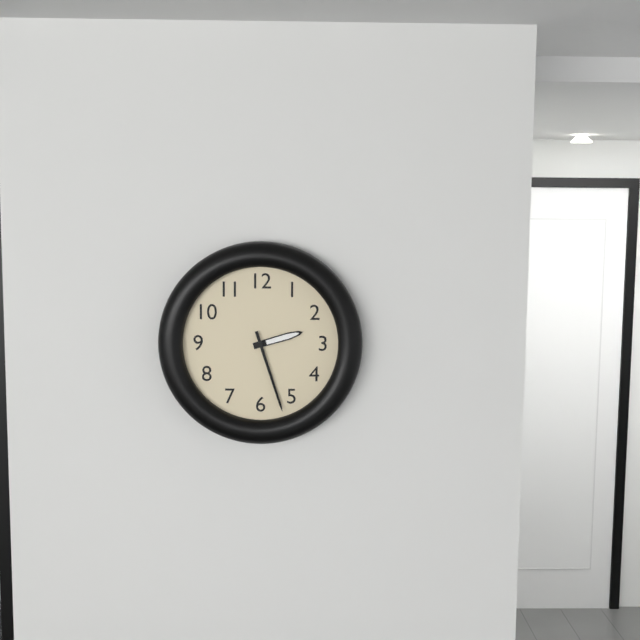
2:27
